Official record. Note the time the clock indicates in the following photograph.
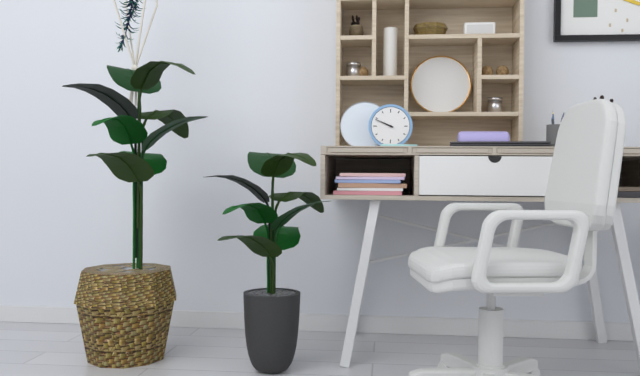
9:49
